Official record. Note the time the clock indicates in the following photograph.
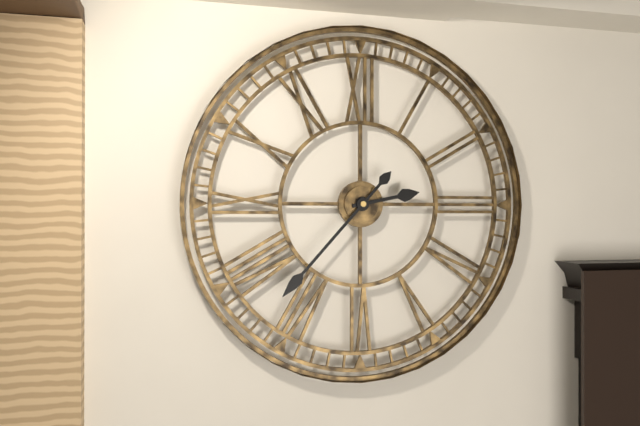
2:37
